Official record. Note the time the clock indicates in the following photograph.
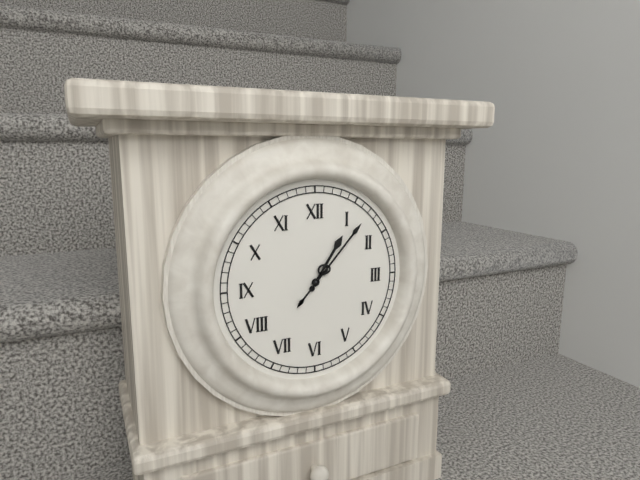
1:07
